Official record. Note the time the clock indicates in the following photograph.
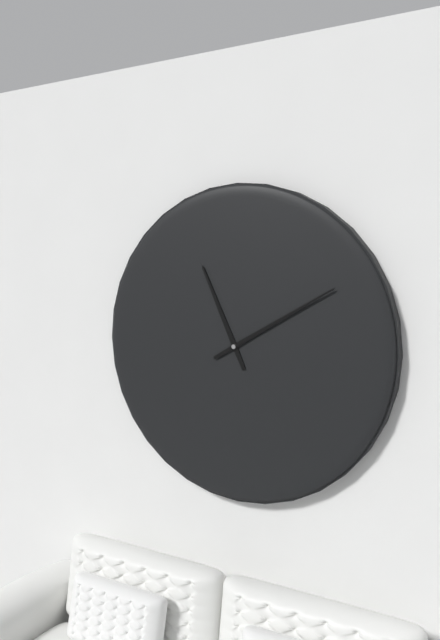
11:10
